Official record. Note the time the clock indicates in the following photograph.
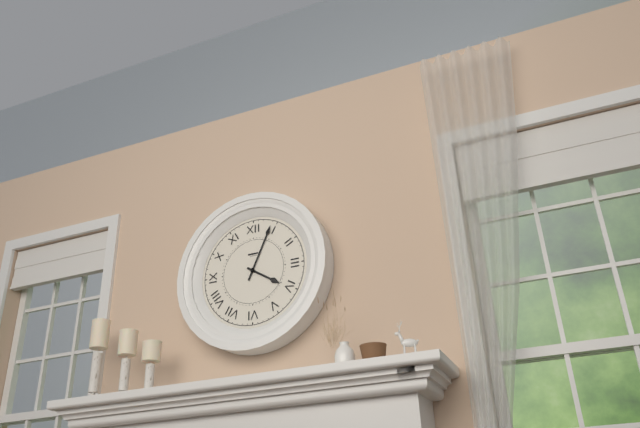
4:04
